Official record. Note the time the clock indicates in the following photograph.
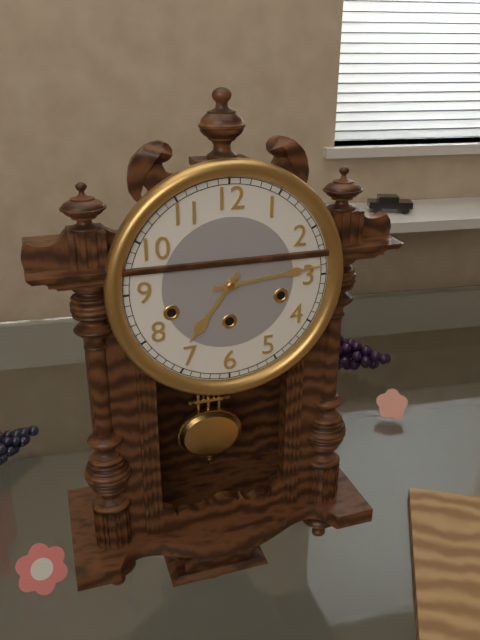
7:14
